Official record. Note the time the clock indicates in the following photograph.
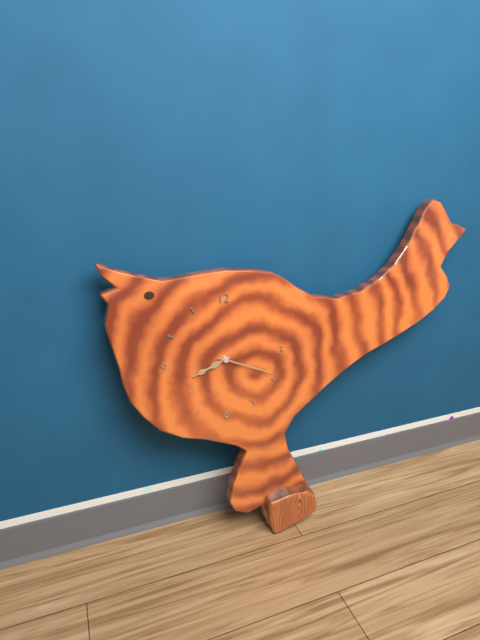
8:19
